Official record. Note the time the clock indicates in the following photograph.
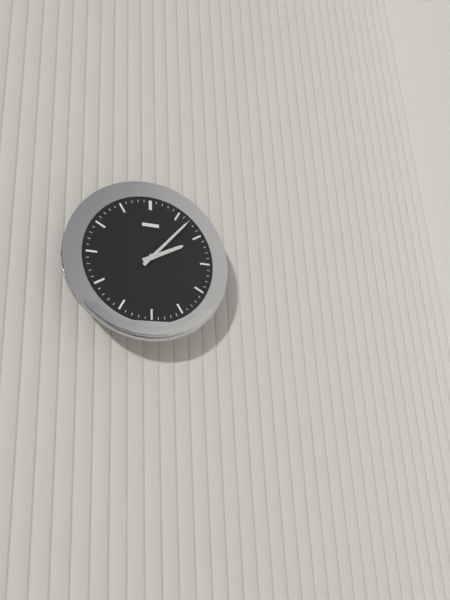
2:07
